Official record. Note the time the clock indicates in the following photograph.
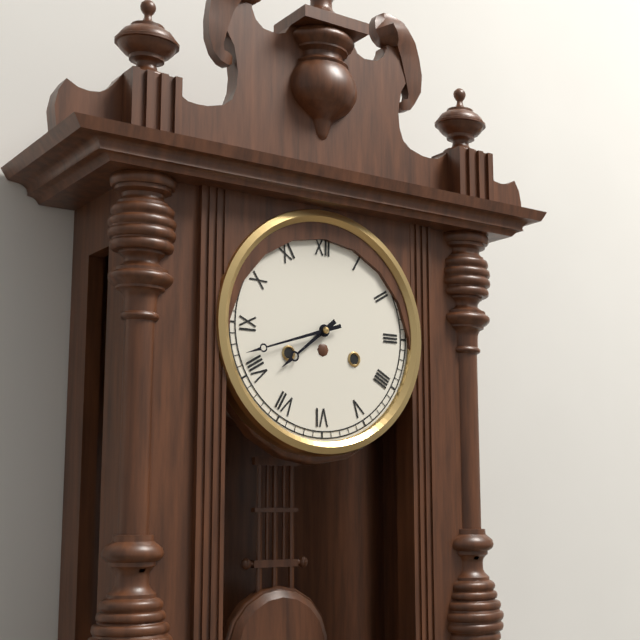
7:42
